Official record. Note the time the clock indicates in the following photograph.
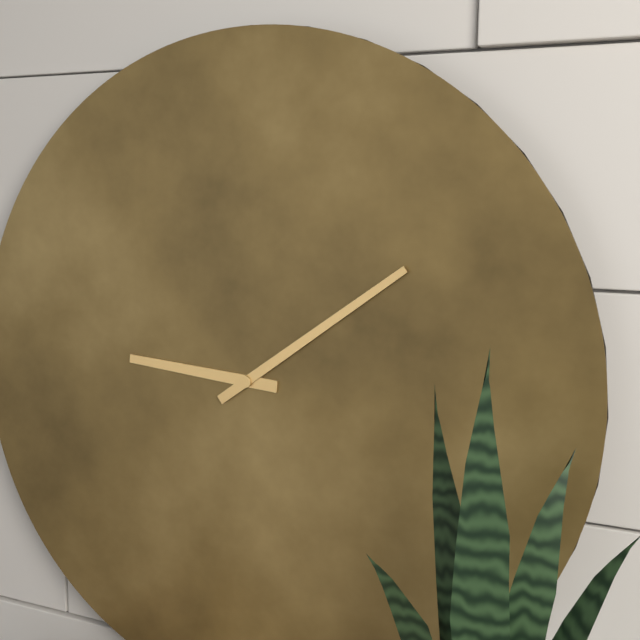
9:09
